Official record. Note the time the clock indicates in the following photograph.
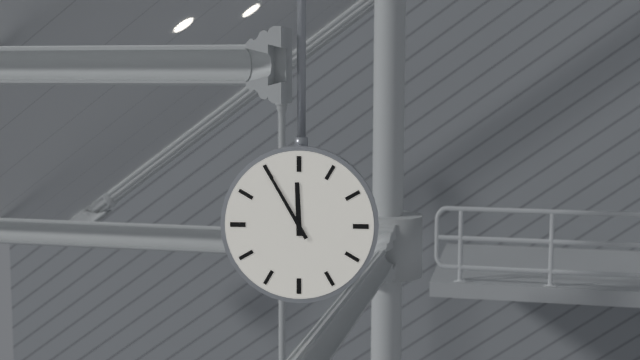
11:55
